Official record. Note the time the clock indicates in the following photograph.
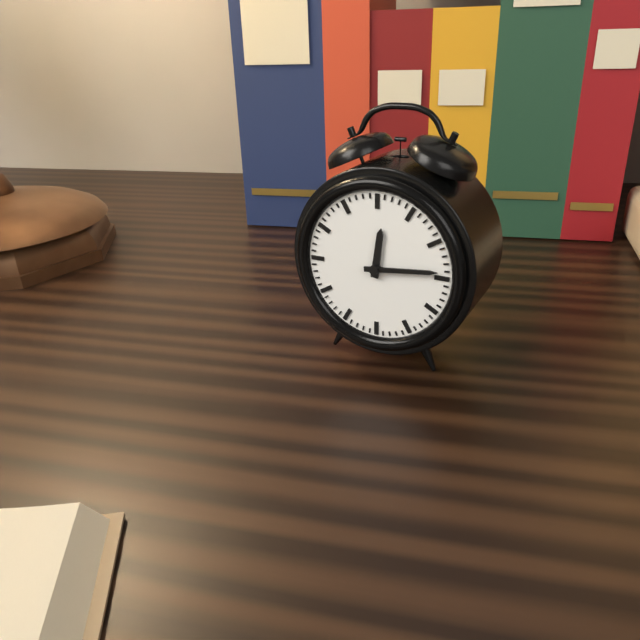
12:14
